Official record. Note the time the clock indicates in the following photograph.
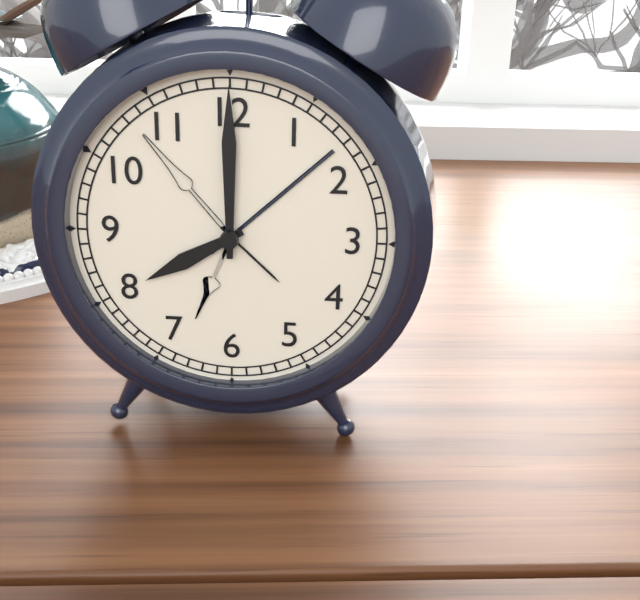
8:00
